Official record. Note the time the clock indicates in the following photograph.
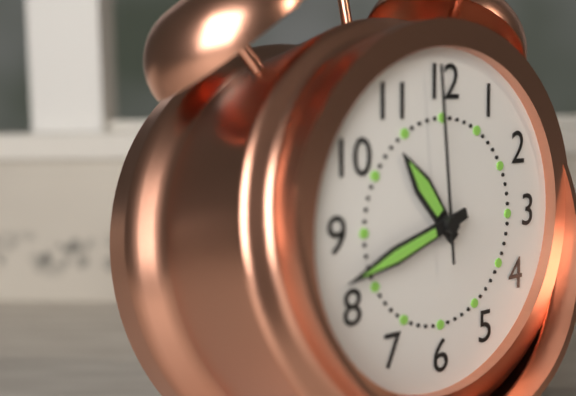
10:42:59
